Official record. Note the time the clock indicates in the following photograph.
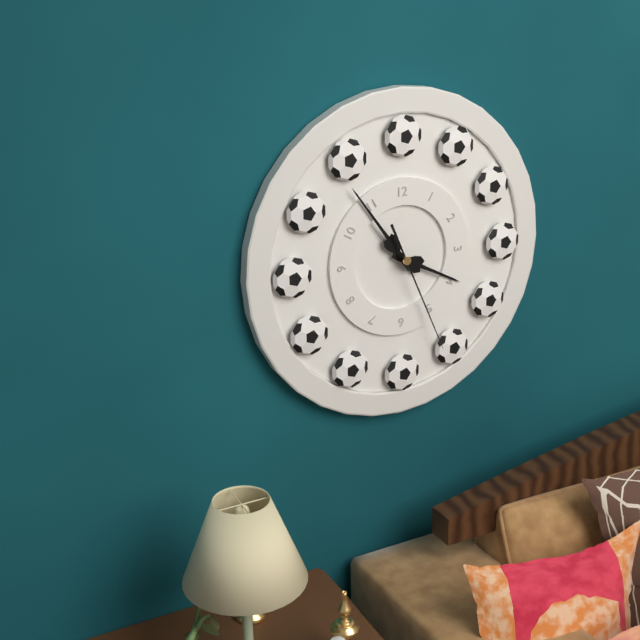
3:54:26
